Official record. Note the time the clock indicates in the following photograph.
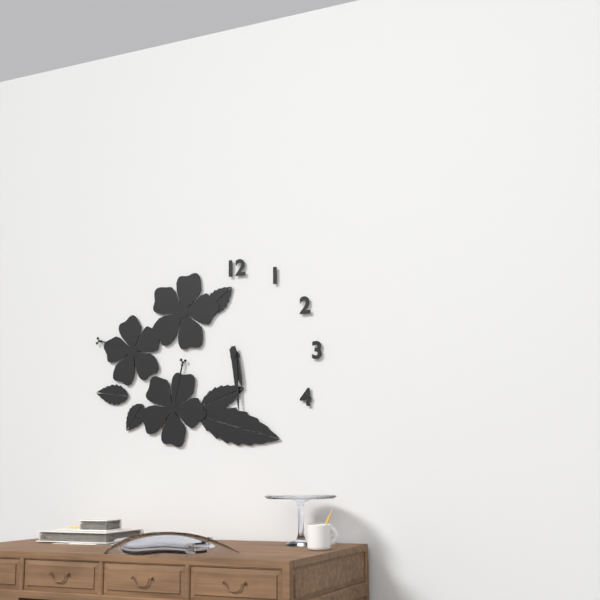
5:29
